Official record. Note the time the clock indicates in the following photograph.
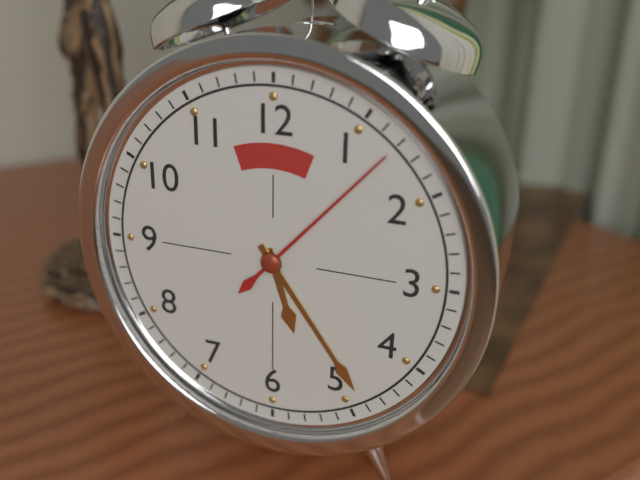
5:24:07
